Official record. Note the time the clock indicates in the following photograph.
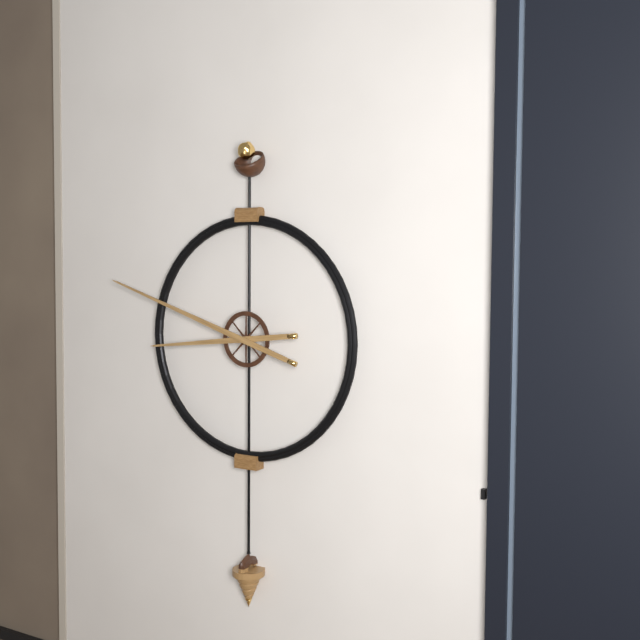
8:48
